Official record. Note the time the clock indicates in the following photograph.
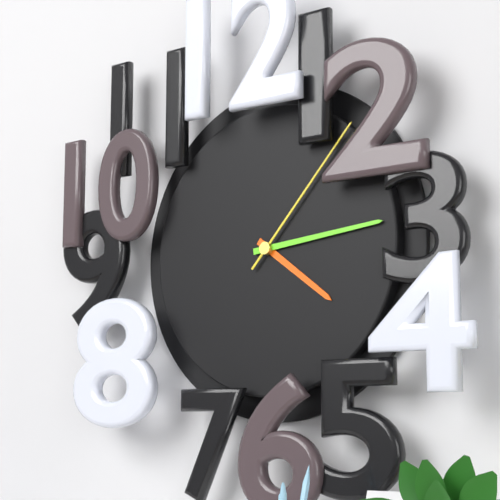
4:14:07
